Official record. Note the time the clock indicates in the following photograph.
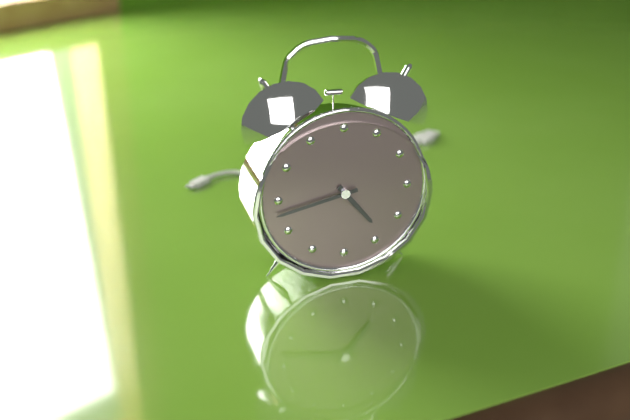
4:43
